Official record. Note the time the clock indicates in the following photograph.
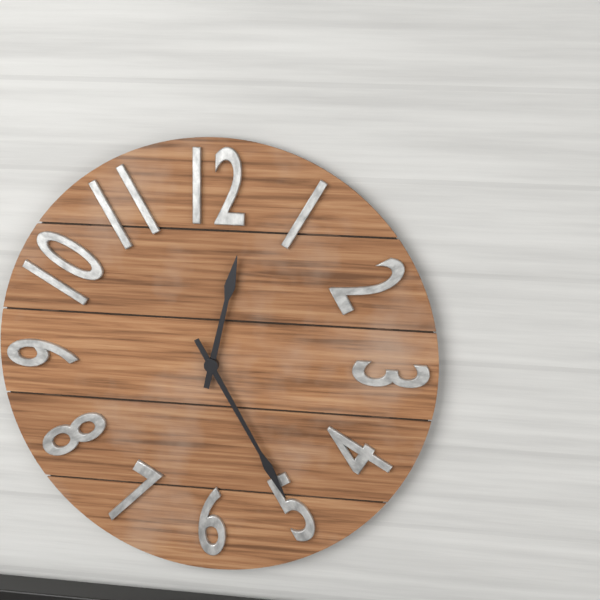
12:25
